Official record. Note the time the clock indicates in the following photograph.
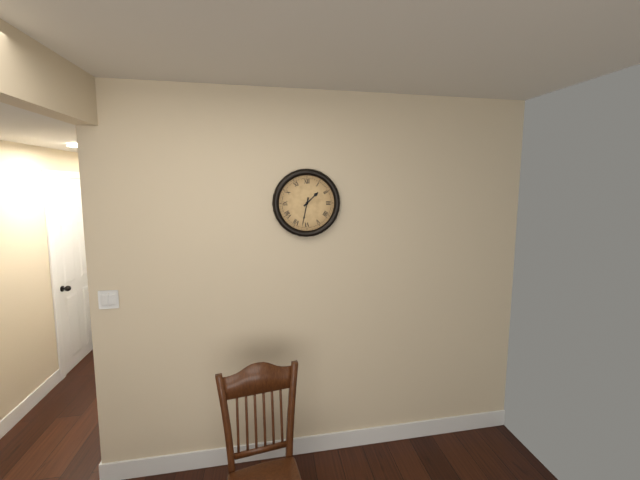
1:32
